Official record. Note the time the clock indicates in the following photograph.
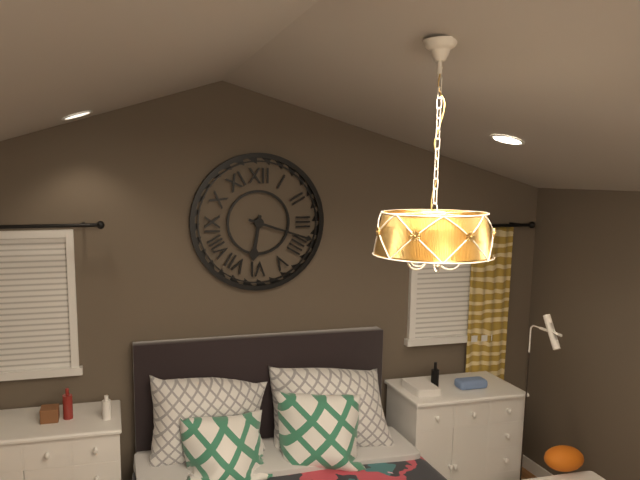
6:18
